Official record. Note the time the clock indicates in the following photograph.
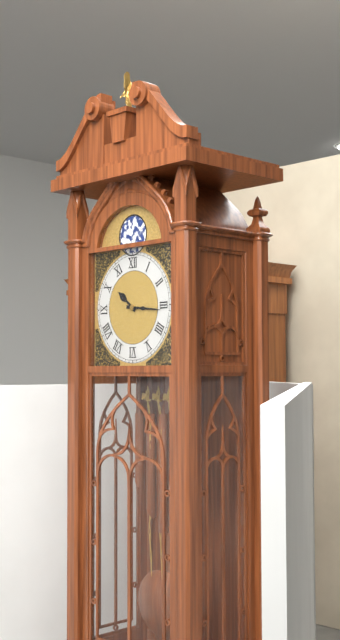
10:16
